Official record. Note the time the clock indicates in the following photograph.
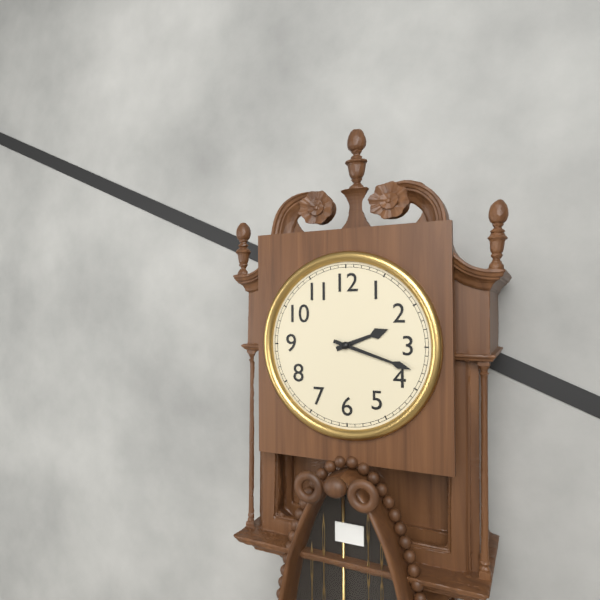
2:18
